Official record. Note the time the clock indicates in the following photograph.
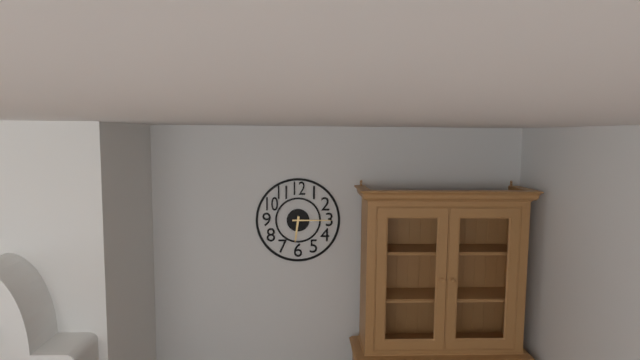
6:15
